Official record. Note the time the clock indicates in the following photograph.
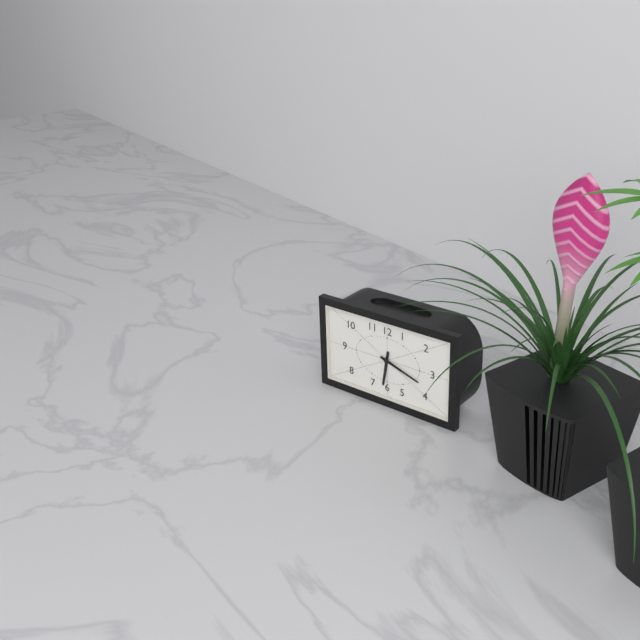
6:18
